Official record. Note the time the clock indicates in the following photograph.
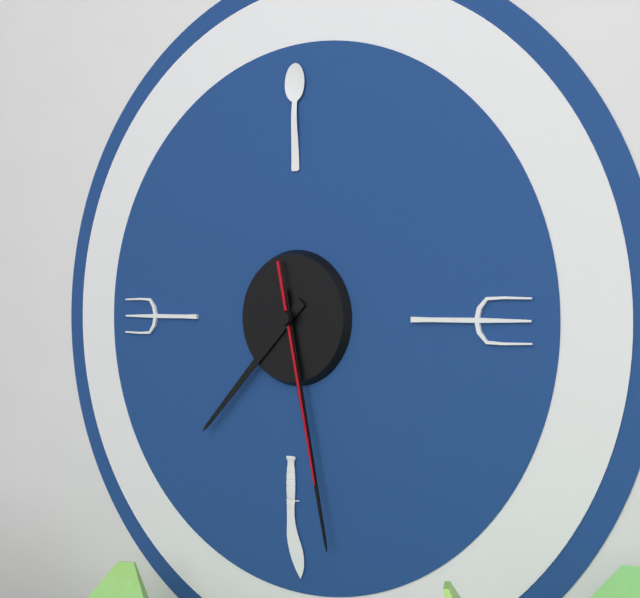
7:28:28
